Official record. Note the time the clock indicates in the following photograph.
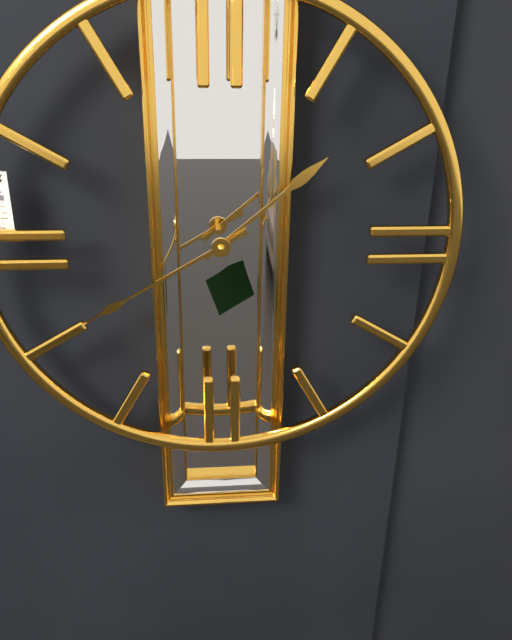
1:40
